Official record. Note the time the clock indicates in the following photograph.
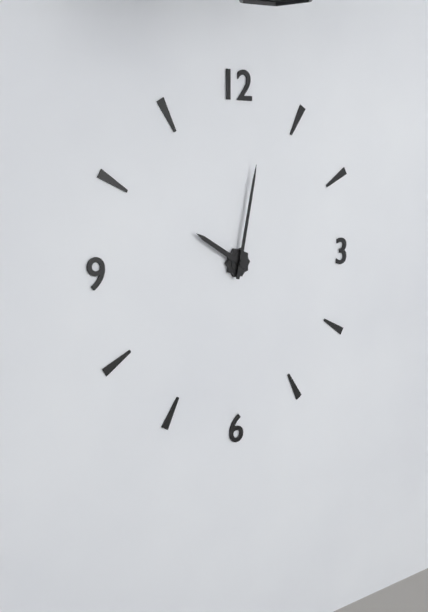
10:02
